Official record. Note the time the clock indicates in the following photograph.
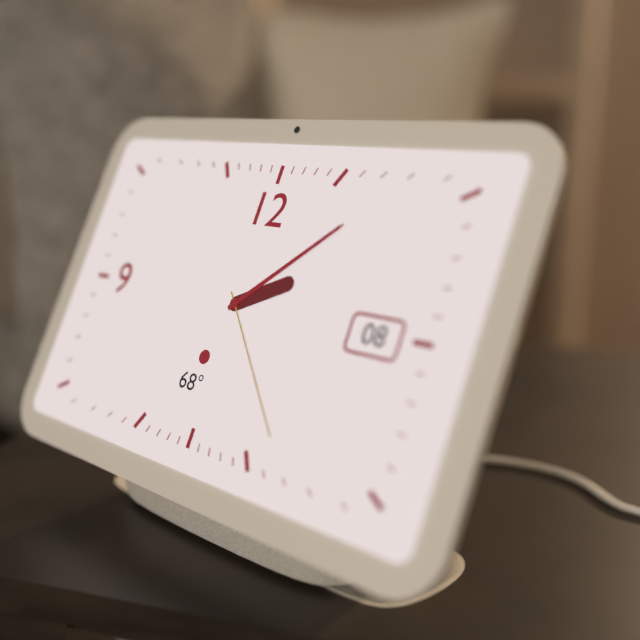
2:08:23
